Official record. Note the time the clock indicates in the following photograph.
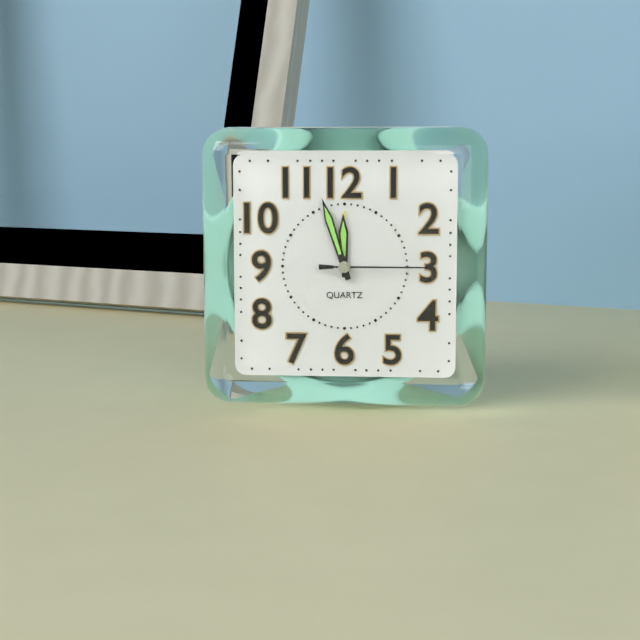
11:57:15
